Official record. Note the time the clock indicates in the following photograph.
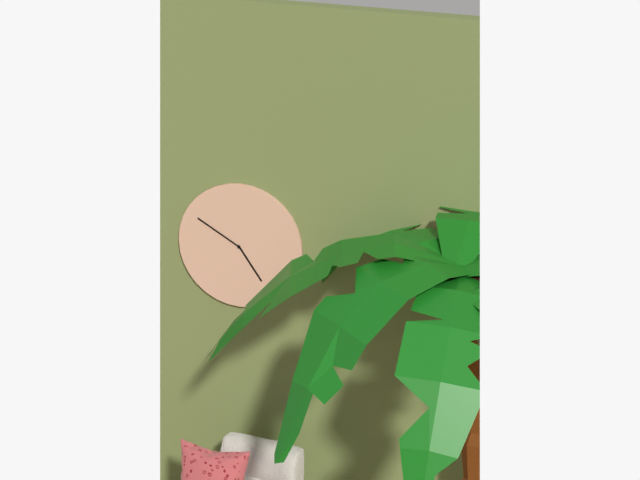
4:50
